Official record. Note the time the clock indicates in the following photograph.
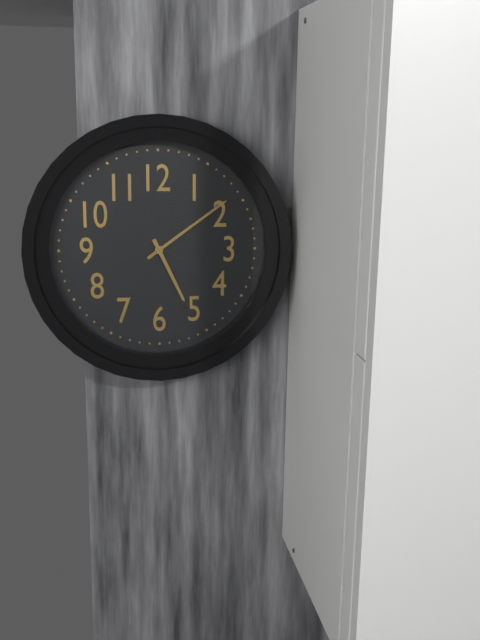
5:09
